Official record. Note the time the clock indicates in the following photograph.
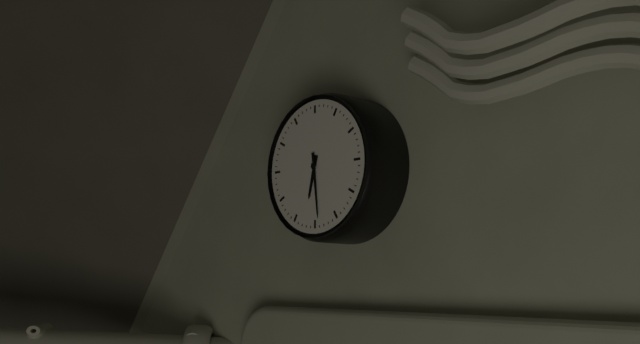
6:29
